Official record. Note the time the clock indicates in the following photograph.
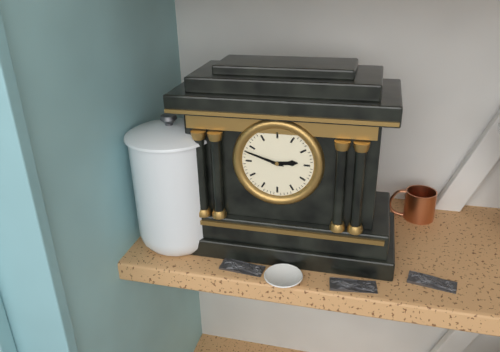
2:48
